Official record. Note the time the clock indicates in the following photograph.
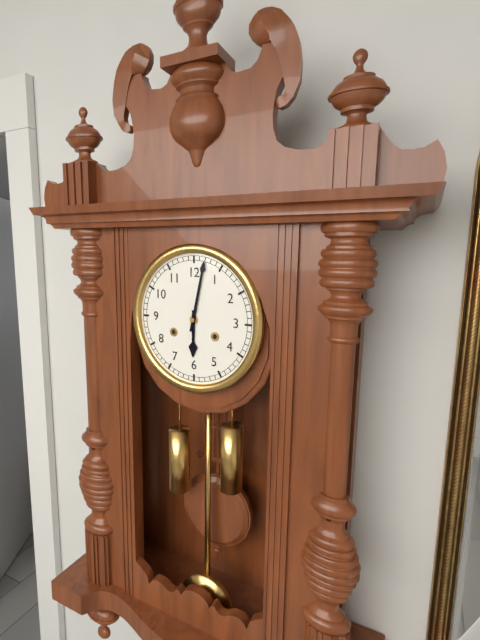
6:02
